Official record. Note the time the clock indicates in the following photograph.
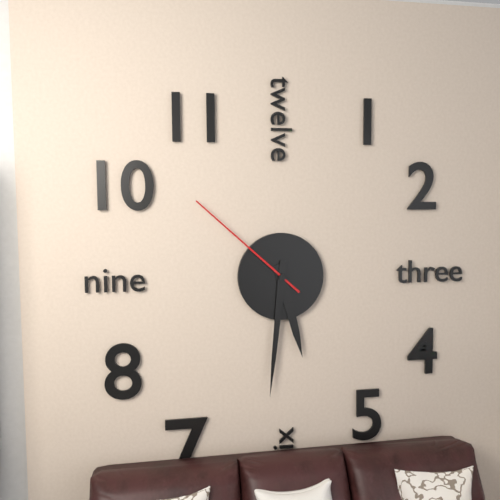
5:31:52
